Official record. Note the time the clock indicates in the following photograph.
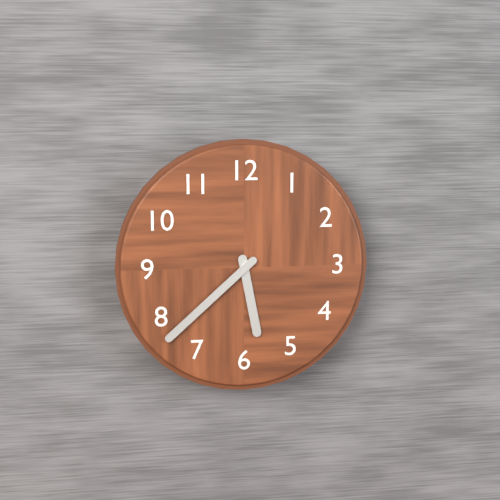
5:38
